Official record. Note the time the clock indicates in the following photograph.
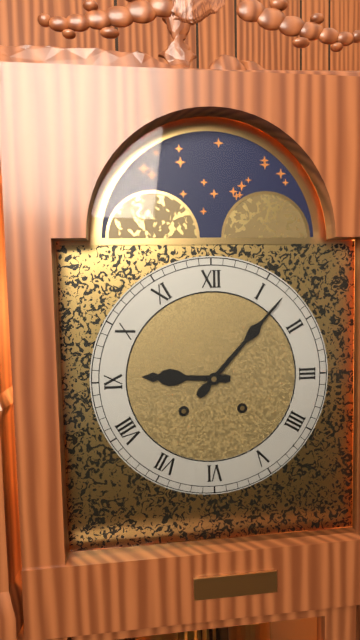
9:07
